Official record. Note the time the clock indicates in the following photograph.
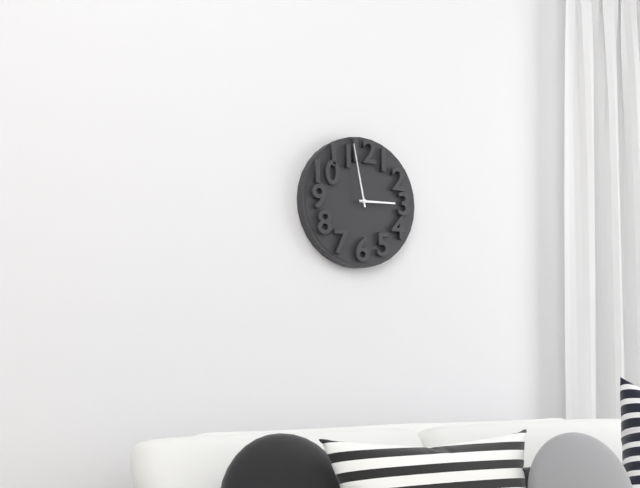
2:58
